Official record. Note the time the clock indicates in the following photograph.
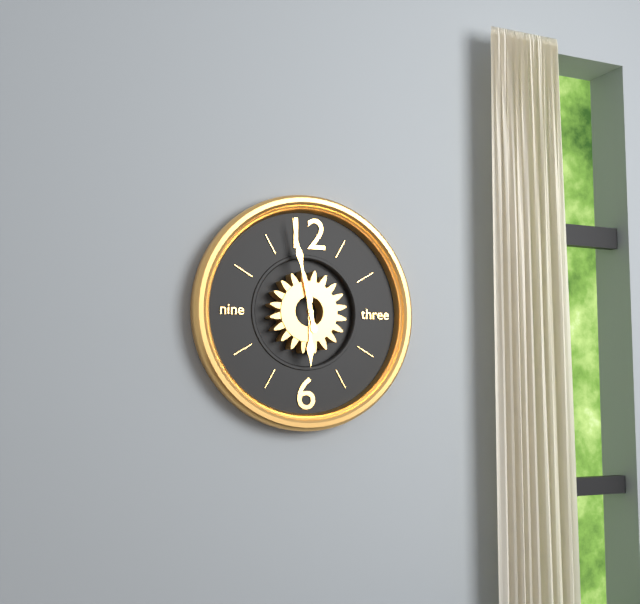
5:58
